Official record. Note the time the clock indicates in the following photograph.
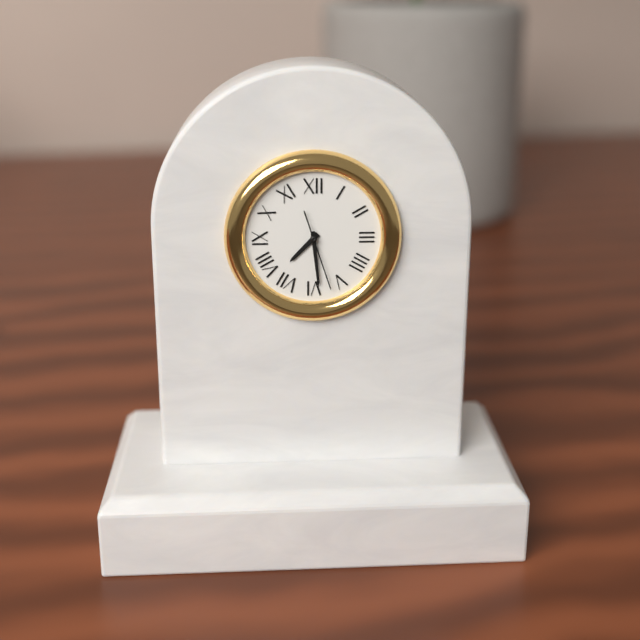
7:29:27
